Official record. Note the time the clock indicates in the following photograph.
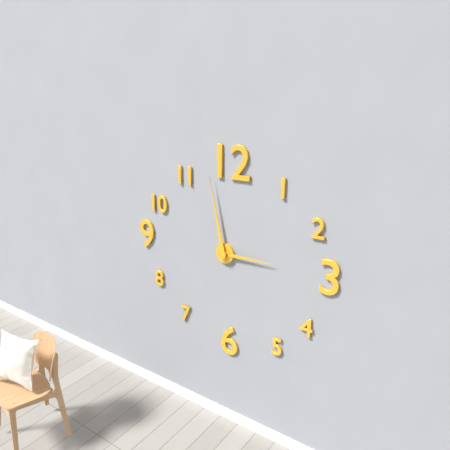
2:58
